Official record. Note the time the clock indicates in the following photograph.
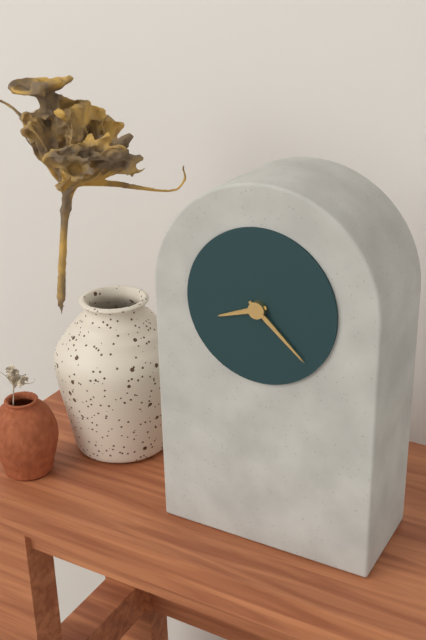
8:22
